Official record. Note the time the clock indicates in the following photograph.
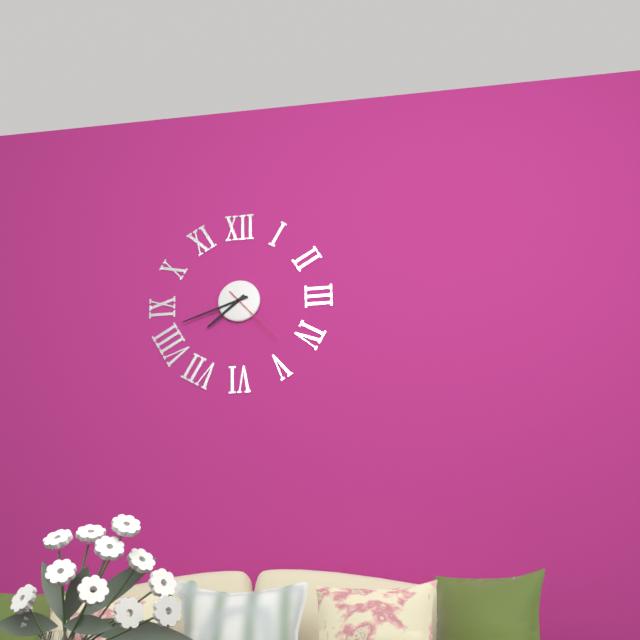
7:42:23
